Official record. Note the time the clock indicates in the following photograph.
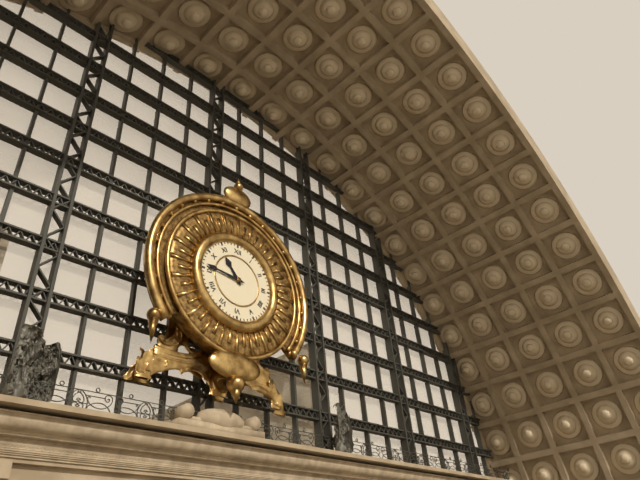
10:46
